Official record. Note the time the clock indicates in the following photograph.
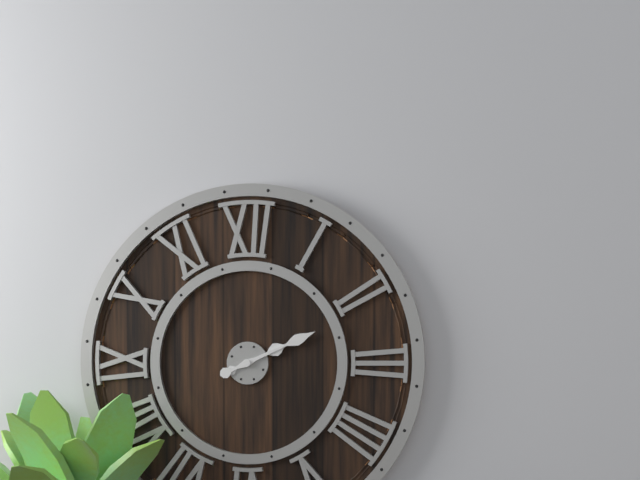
2:11
